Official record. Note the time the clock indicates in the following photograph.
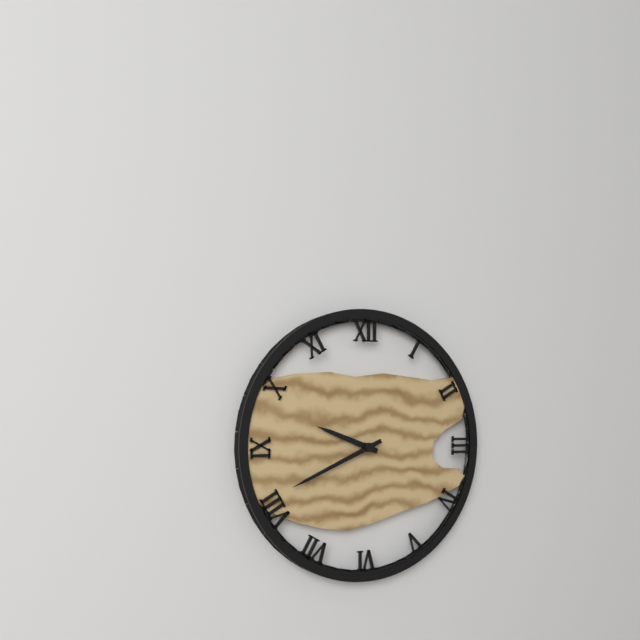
9:41
